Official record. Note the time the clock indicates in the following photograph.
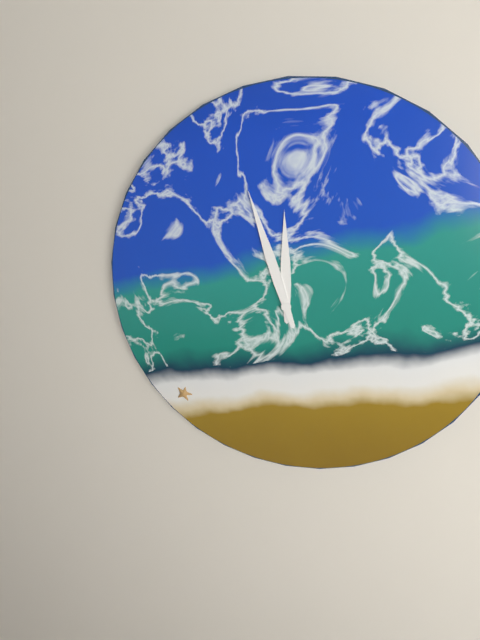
11:57
